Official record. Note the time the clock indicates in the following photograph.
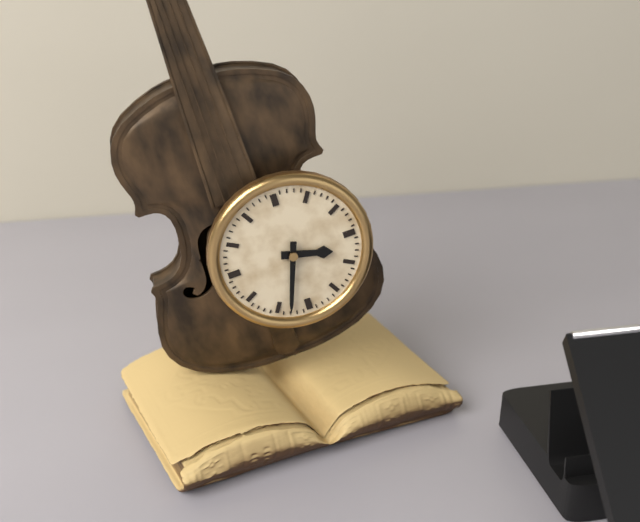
3:33
